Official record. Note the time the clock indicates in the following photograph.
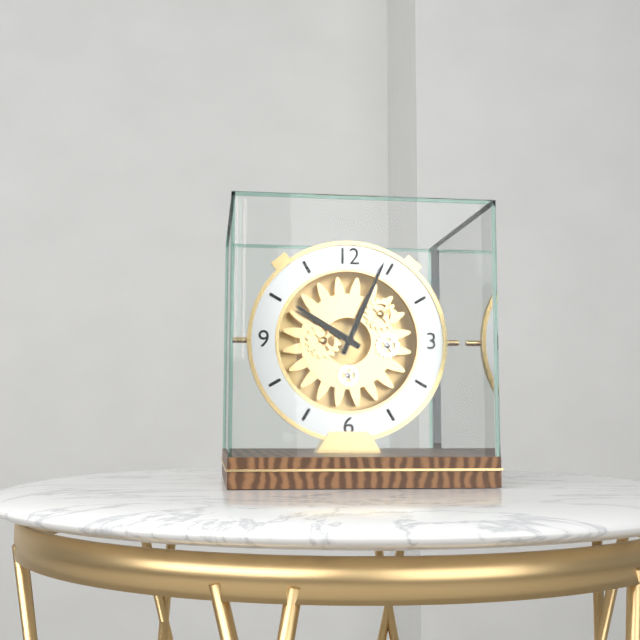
10:04
